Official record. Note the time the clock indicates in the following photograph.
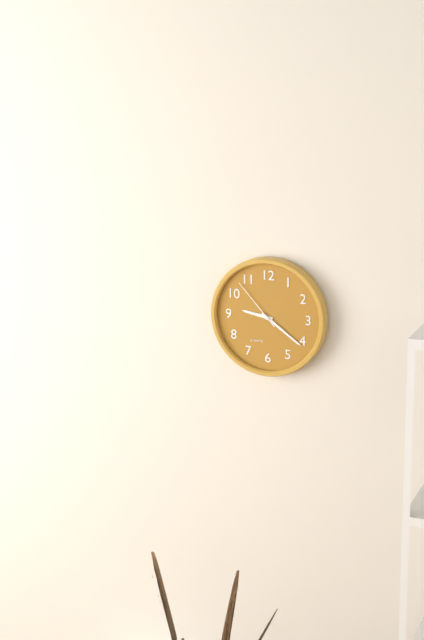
9:21:53
